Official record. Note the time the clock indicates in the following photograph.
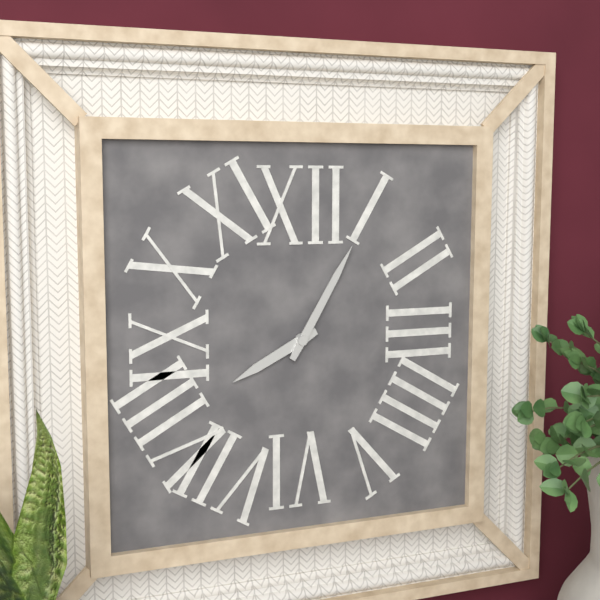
8:05
